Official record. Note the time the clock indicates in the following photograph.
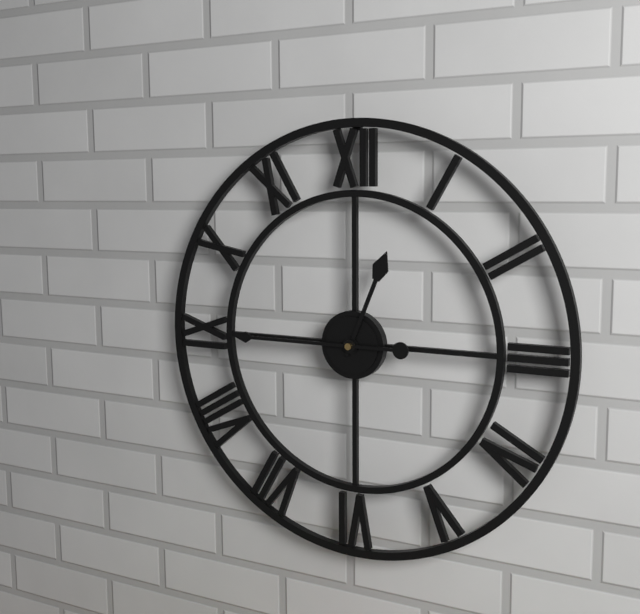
12:45
